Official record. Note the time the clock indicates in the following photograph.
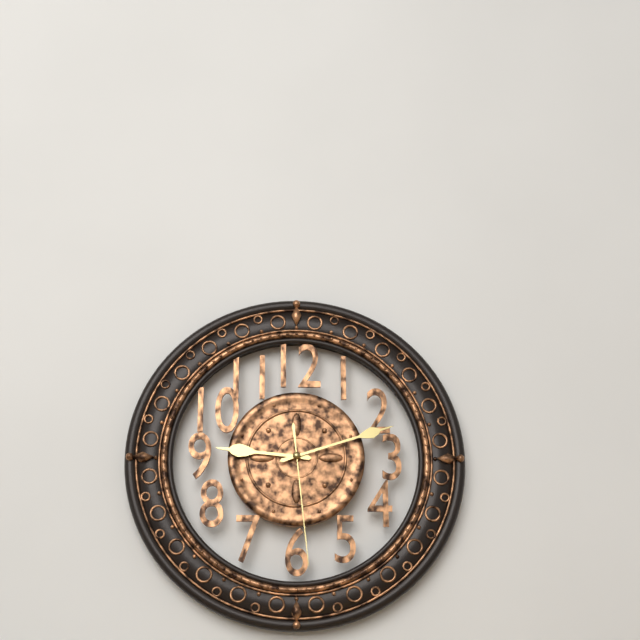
9:12:29
